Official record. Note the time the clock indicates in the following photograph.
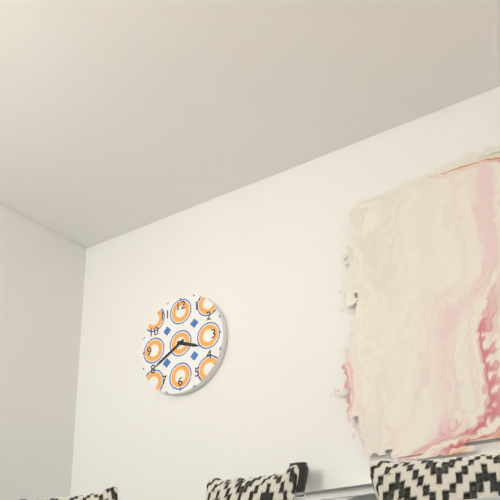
3:40
